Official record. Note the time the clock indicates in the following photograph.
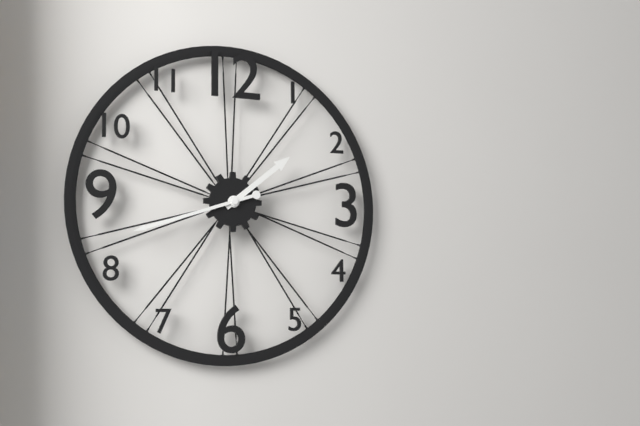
1:42
